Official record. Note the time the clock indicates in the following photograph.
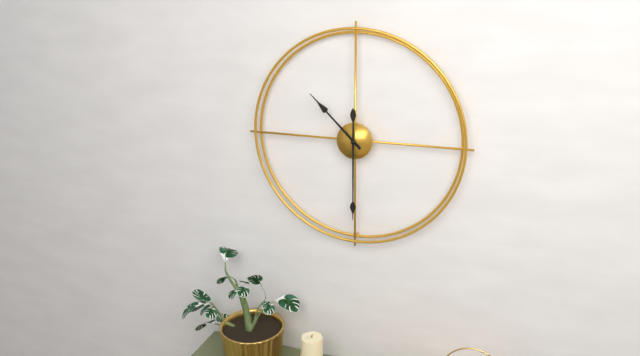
10:30
